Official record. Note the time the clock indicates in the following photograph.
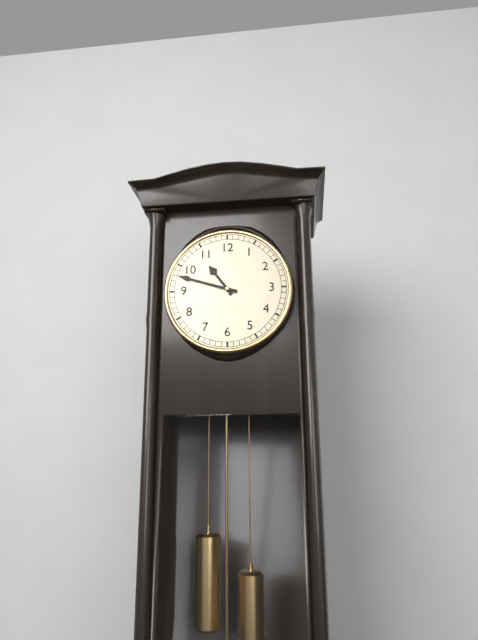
10:48
